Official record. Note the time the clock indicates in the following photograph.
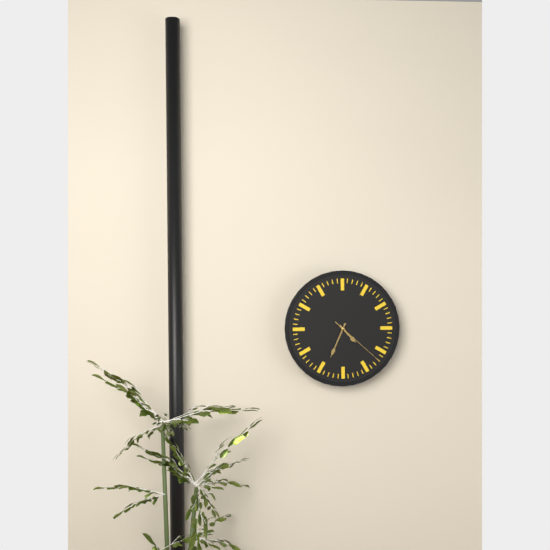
4:34:22
